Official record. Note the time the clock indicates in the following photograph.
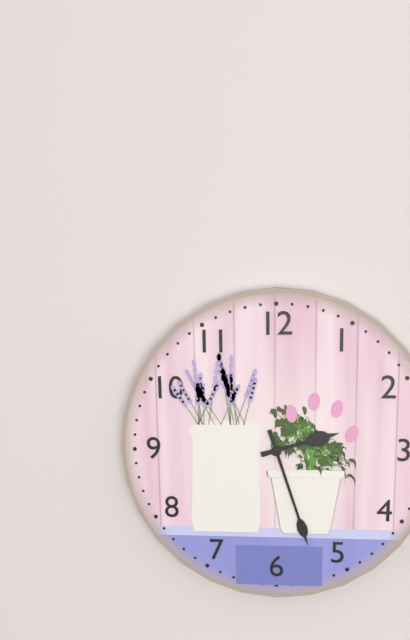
2:27
